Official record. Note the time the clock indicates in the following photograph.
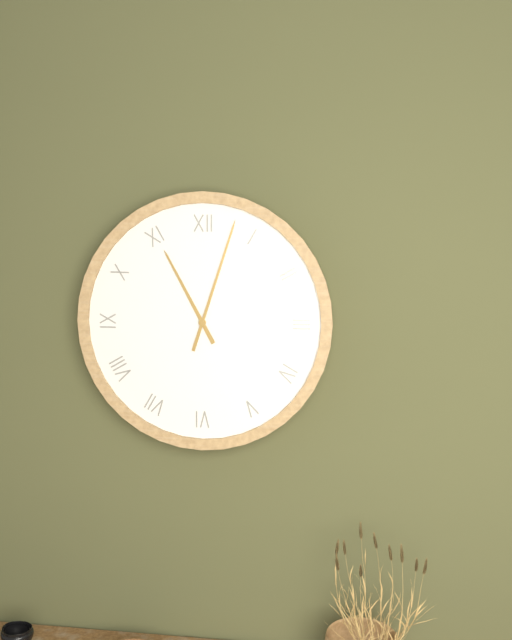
11:03
